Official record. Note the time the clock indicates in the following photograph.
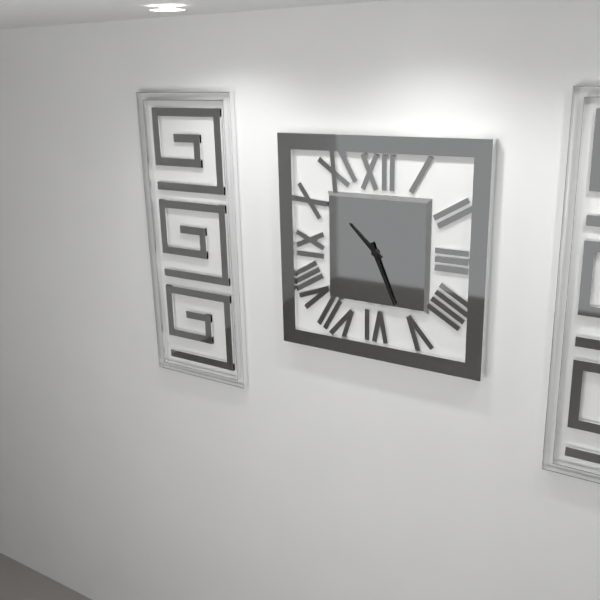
10:26
